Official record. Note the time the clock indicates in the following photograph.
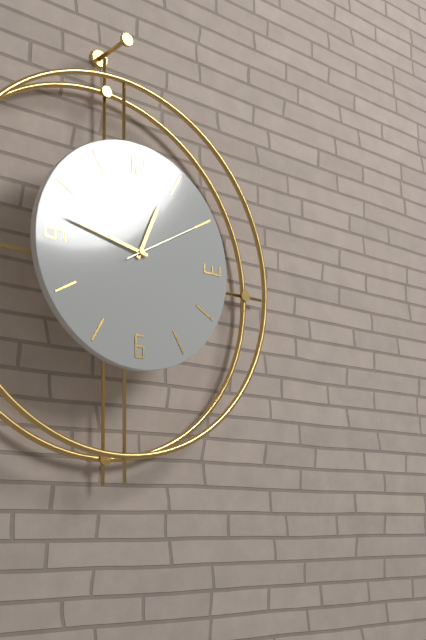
12:47:10
